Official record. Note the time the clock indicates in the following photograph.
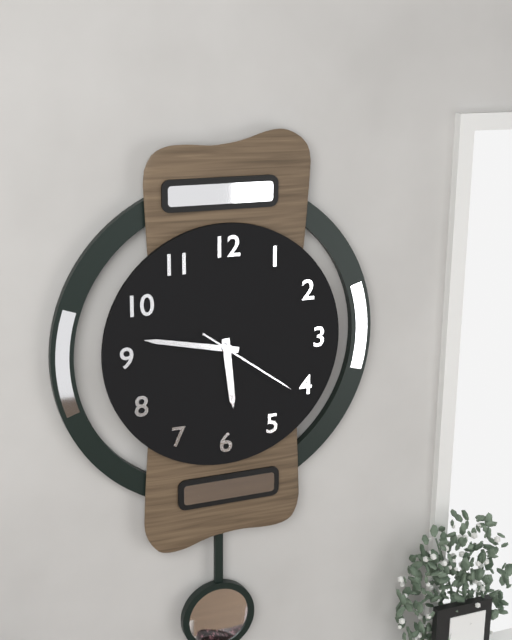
5:47:21
